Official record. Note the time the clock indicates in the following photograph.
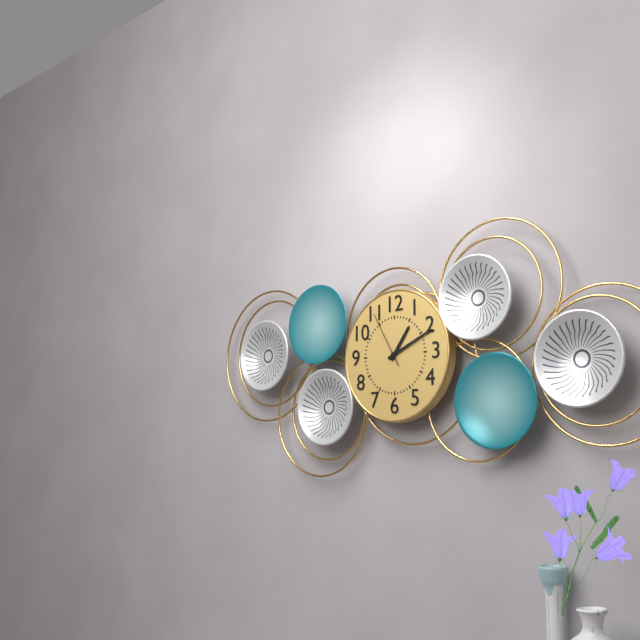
1:11:55
